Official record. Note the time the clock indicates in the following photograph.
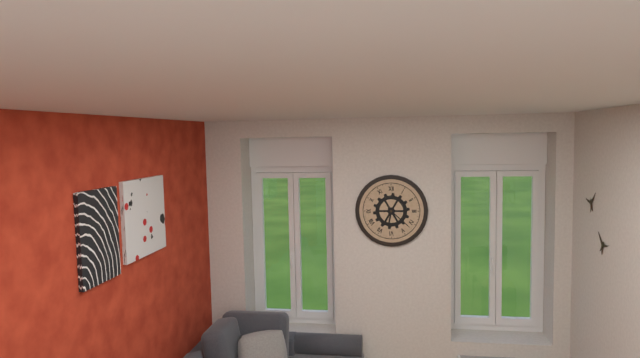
6:22
